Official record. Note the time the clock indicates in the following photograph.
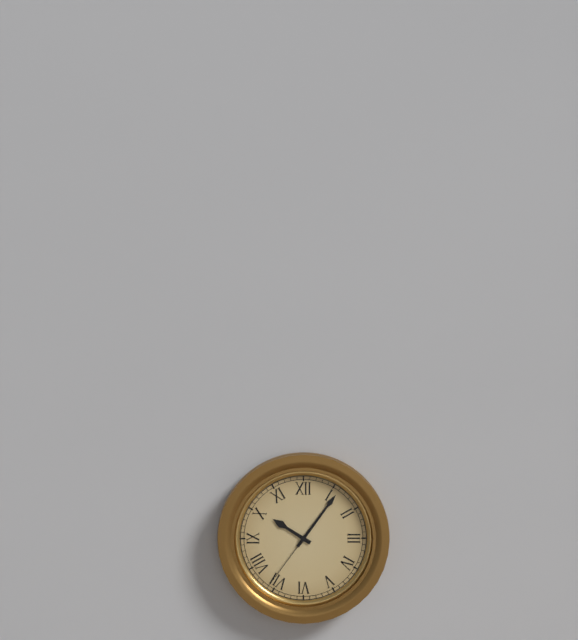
10:06:36
